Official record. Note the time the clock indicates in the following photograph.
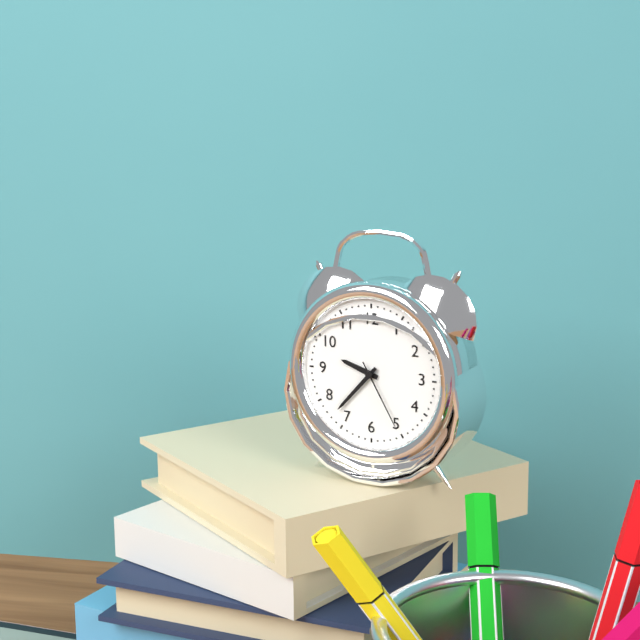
9:37:25
